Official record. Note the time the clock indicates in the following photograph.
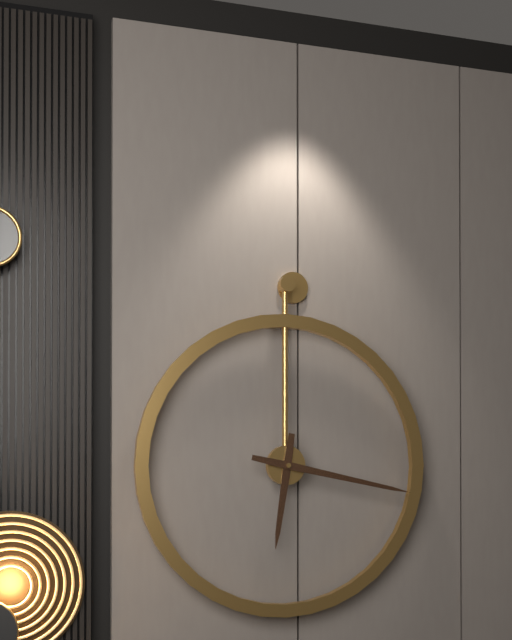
6:17
